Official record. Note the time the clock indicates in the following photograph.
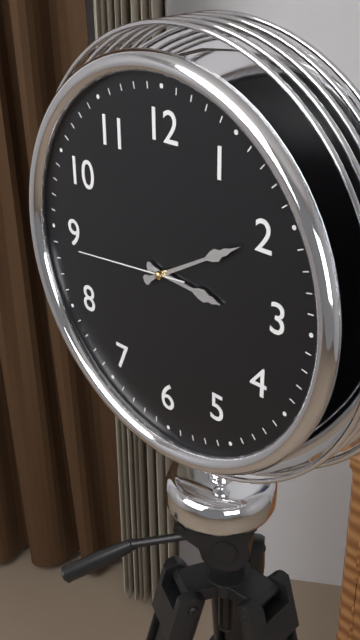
3:10:44
